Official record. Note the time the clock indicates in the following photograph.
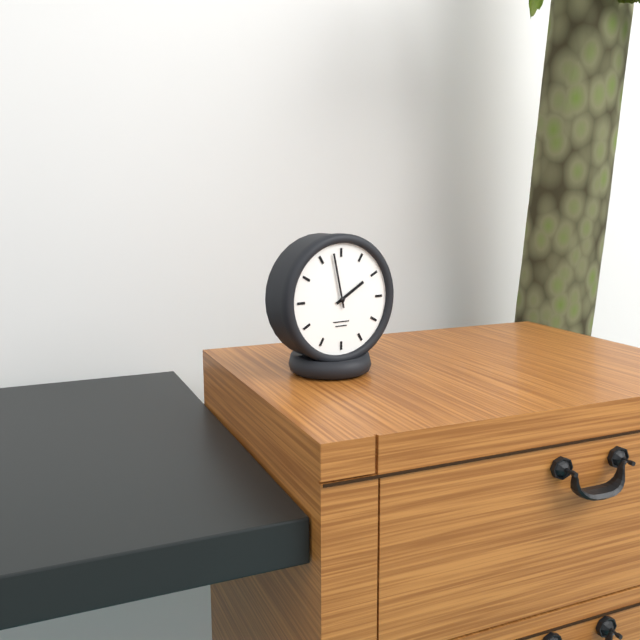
1:58
